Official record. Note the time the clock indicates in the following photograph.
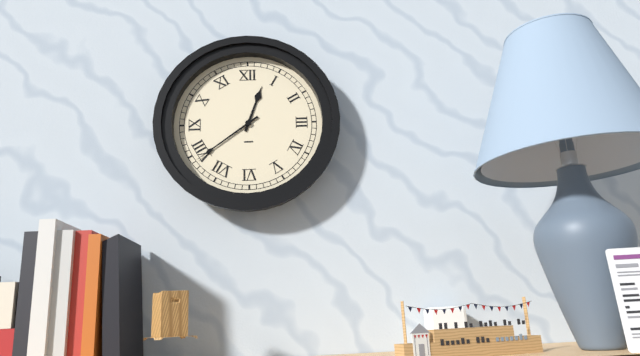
12:39
